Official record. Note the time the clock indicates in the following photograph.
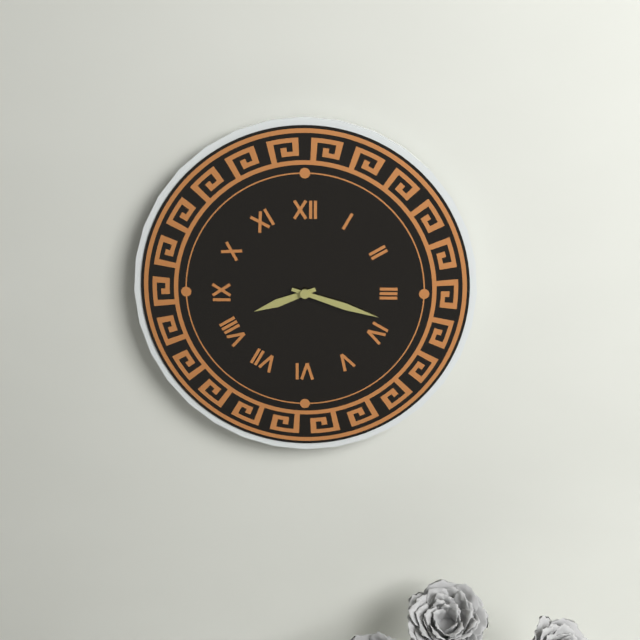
8:18
